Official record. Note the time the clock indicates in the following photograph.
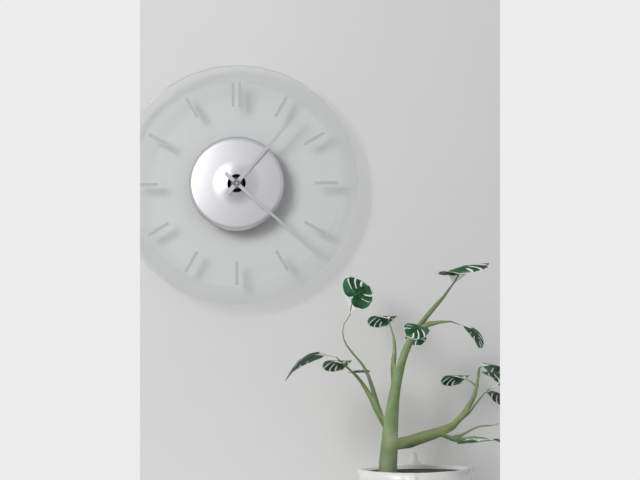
1:22
